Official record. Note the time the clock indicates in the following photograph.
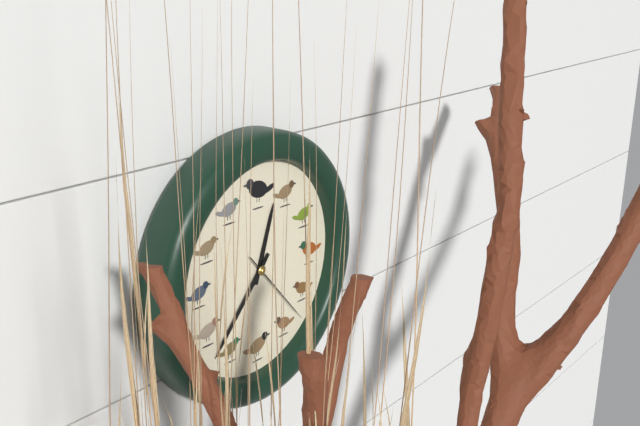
12:37:23
